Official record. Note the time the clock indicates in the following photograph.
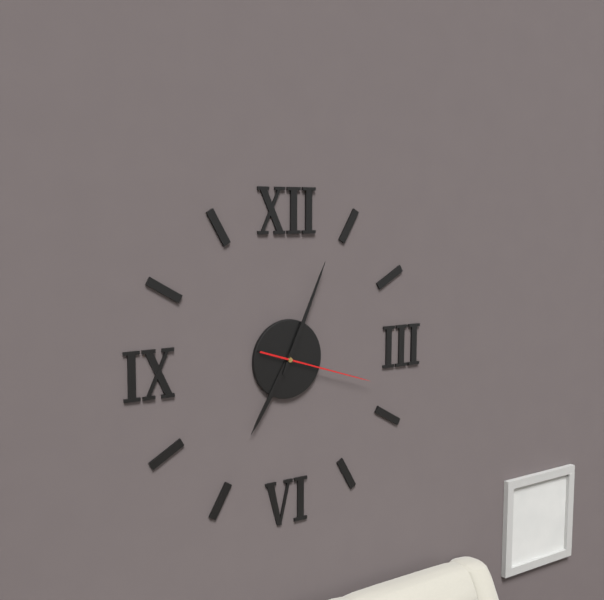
7:04:18
